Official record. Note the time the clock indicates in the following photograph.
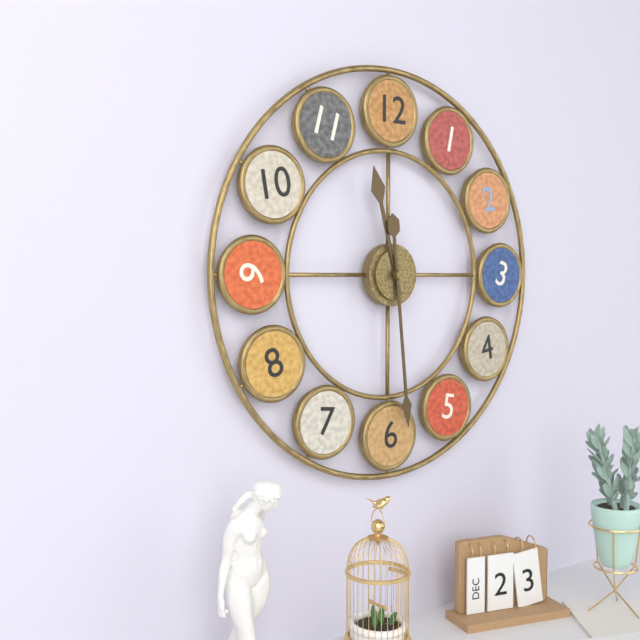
11:29
